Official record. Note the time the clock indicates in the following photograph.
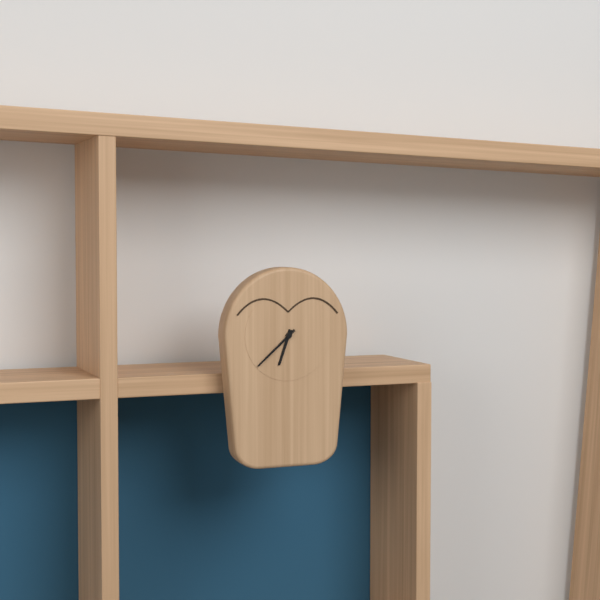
6:38
